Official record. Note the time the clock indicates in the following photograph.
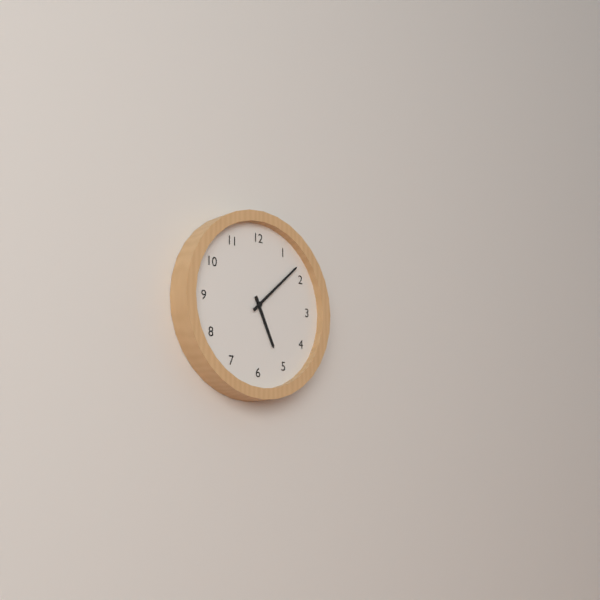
5:08
